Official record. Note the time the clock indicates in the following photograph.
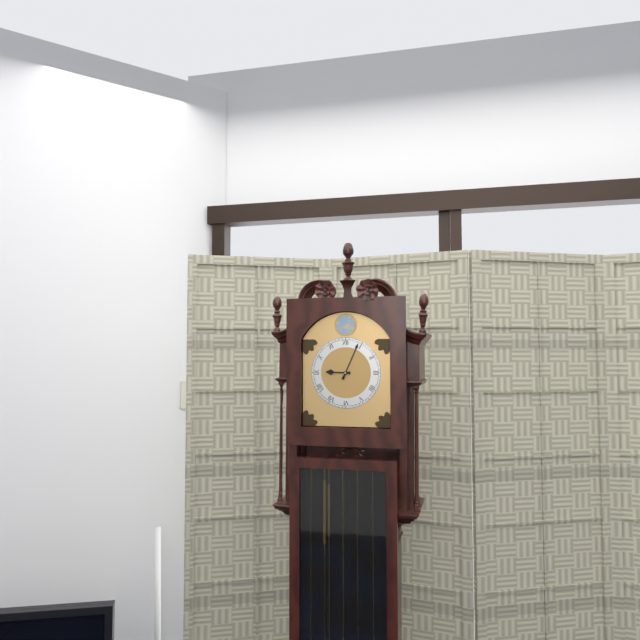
9:04
